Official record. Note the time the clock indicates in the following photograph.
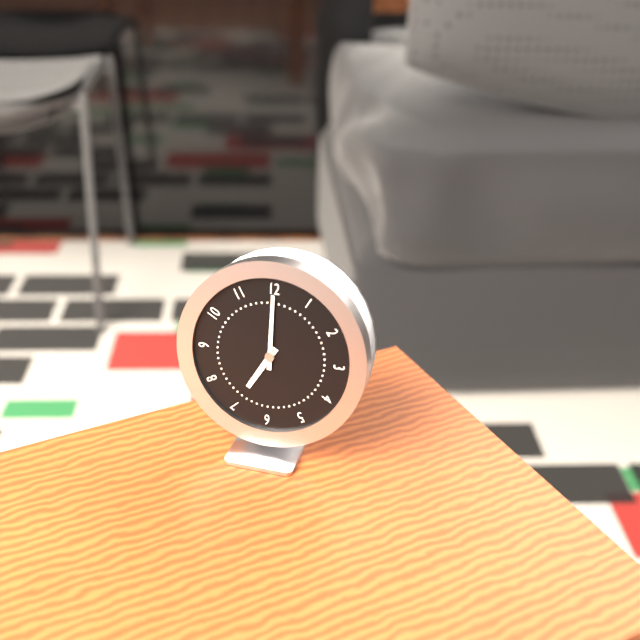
7:00
